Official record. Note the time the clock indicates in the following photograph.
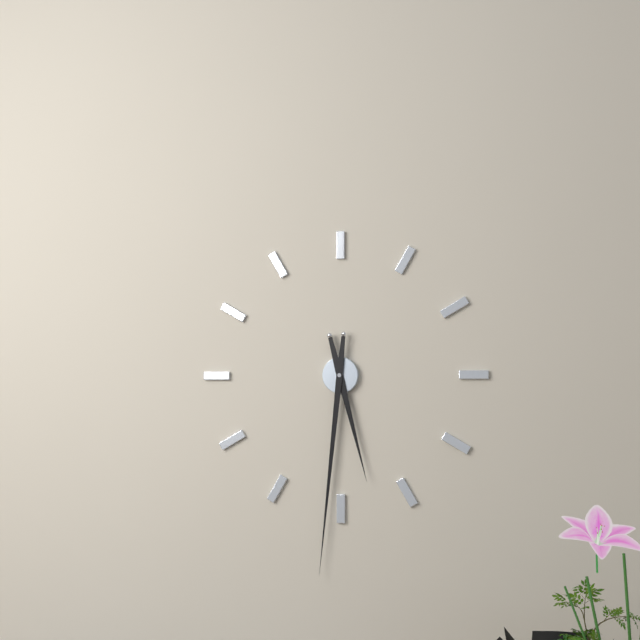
5:31
